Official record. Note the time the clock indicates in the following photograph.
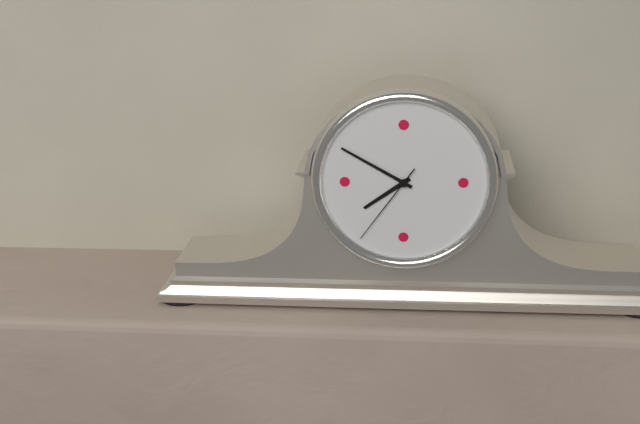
7:50:36
